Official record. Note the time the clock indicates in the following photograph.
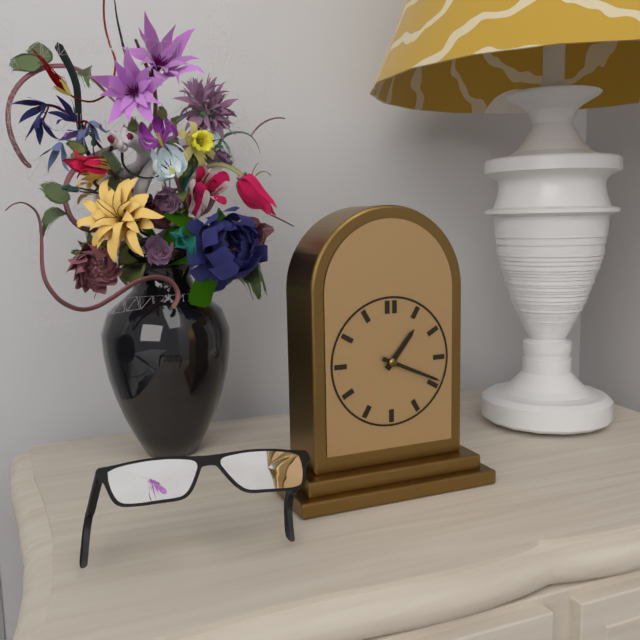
1:19
